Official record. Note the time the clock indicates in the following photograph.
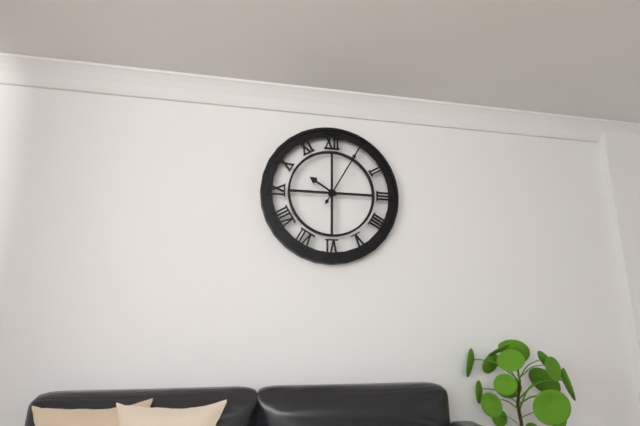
10:05
